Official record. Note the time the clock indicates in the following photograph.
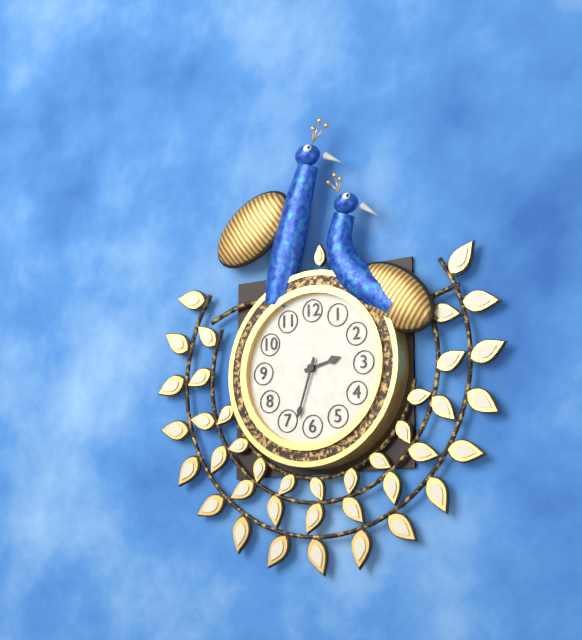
2:33
